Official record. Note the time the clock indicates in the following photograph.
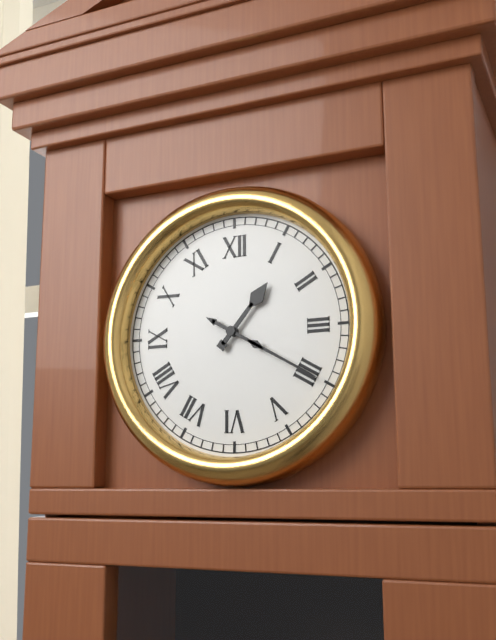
1:20
